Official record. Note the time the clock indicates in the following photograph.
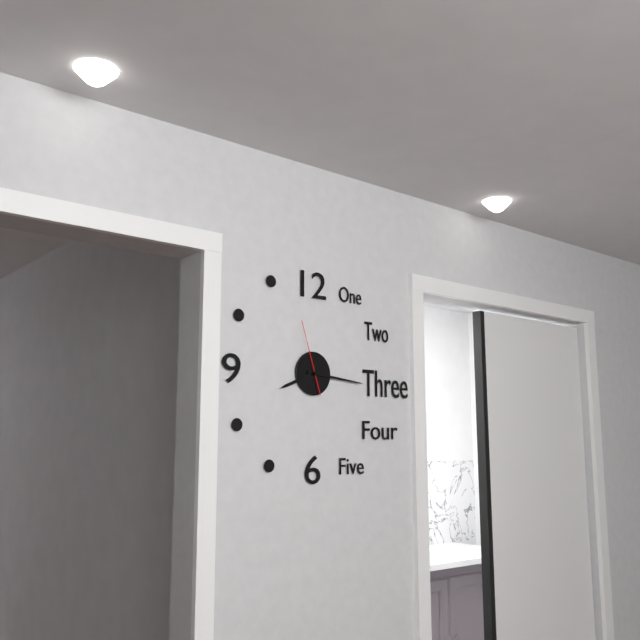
8:16:57
